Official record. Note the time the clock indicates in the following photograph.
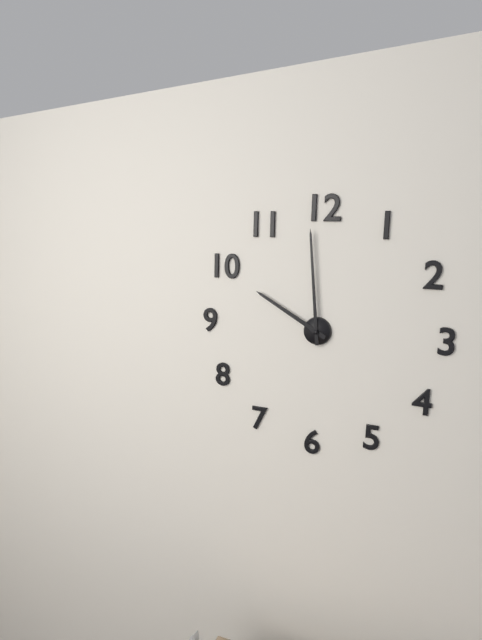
9:59
